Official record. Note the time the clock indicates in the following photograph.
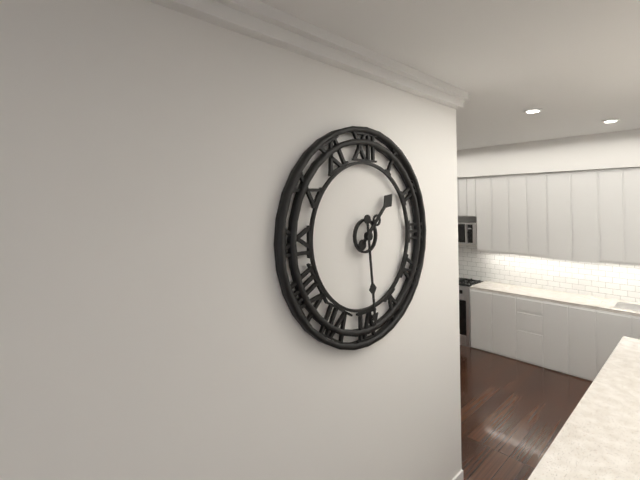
1:29
